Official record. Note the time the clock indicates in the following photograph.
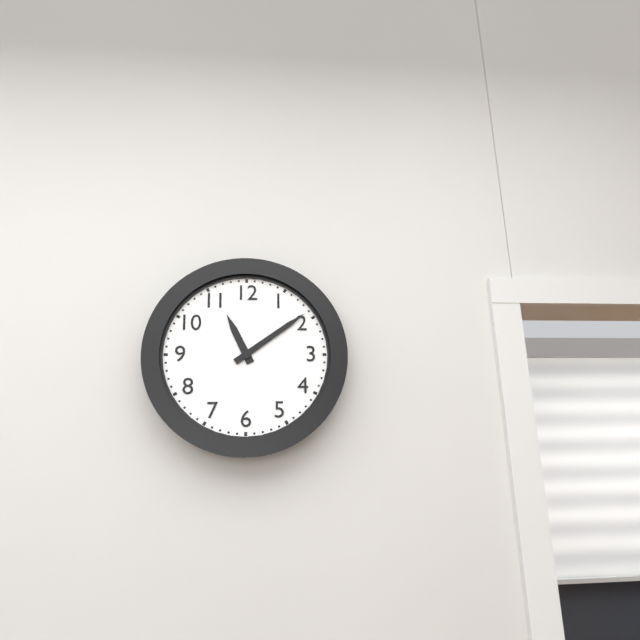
11:09
